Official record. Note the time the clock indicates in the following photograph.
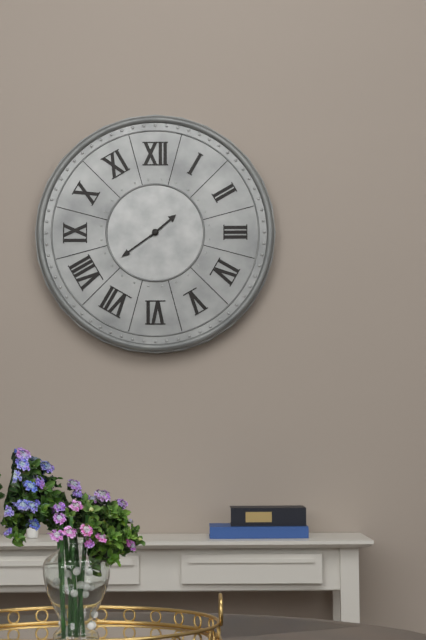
1:39
